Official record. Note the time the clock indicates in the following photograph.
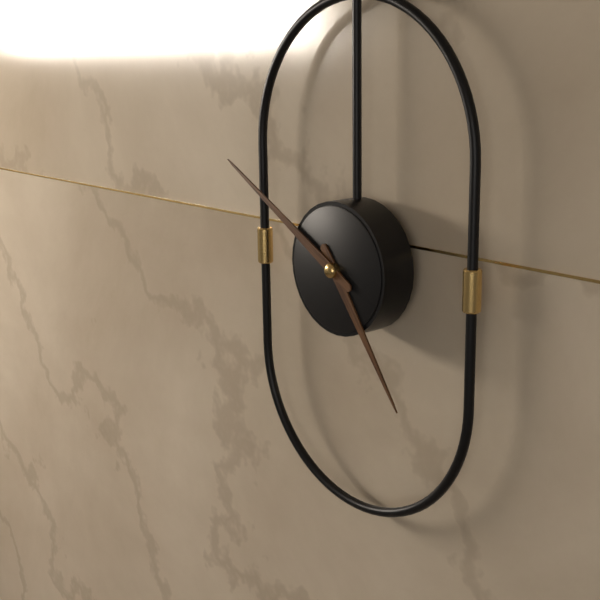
4:50
